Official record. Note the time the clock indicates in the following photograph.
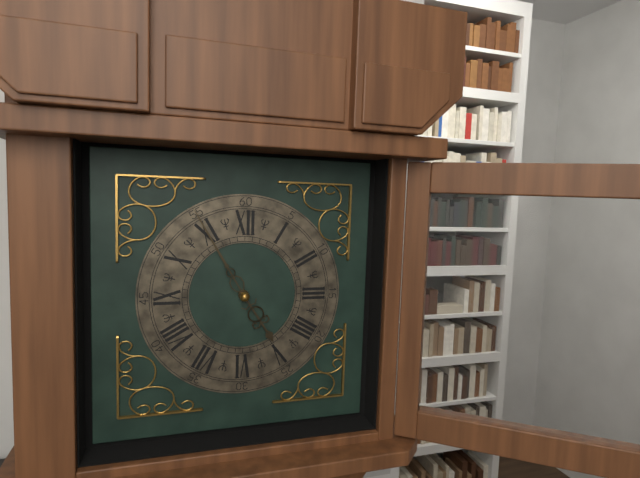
4:55
